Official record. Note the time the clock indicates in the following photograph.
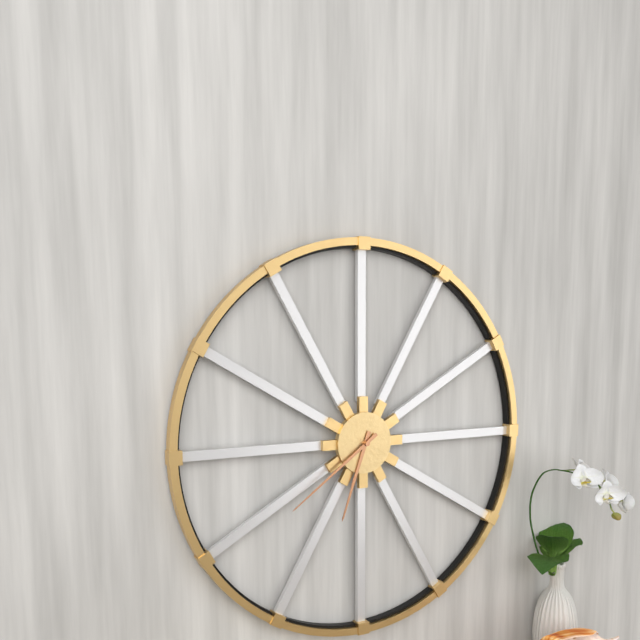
6:39
